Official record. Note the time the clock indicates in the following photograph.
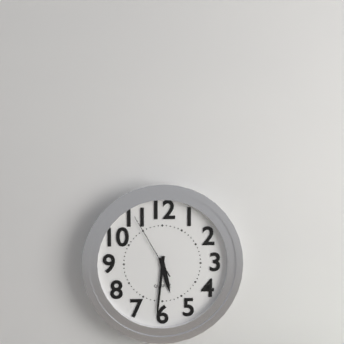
5:31:55
